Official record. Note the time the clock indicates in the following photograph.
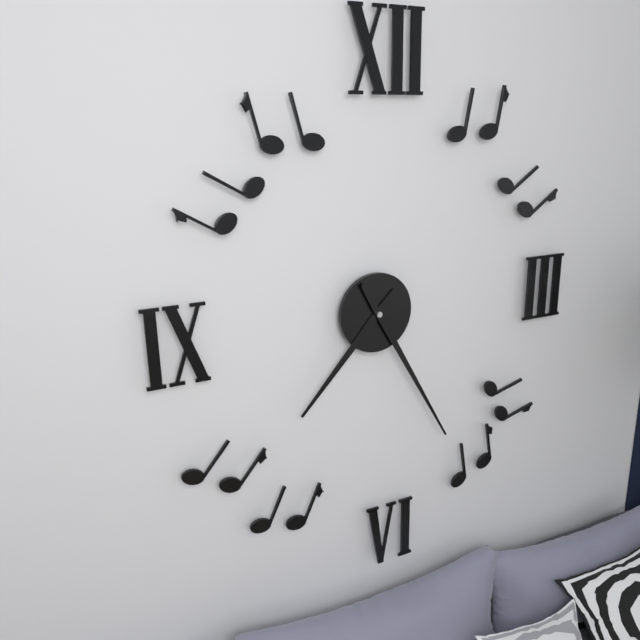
7:25
